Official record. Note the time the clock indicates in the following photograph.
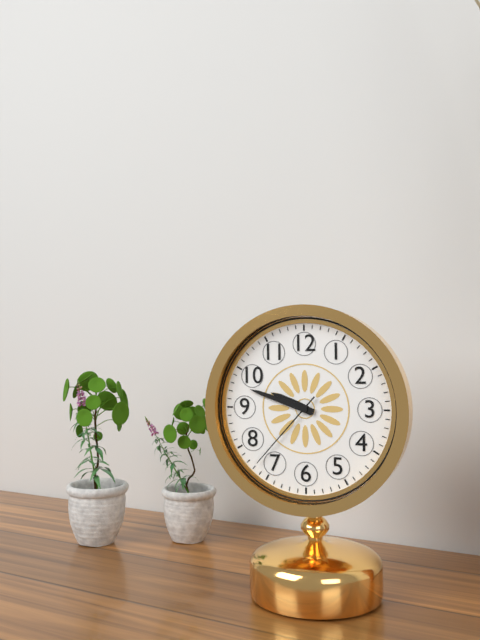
9:48:37
